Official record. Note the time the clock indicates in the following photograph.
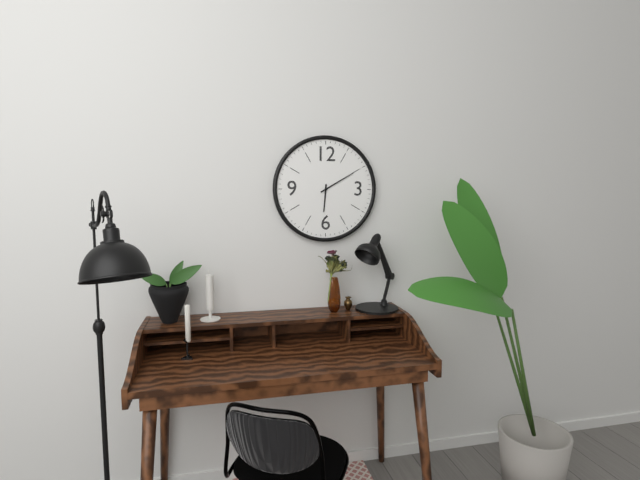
6:10
